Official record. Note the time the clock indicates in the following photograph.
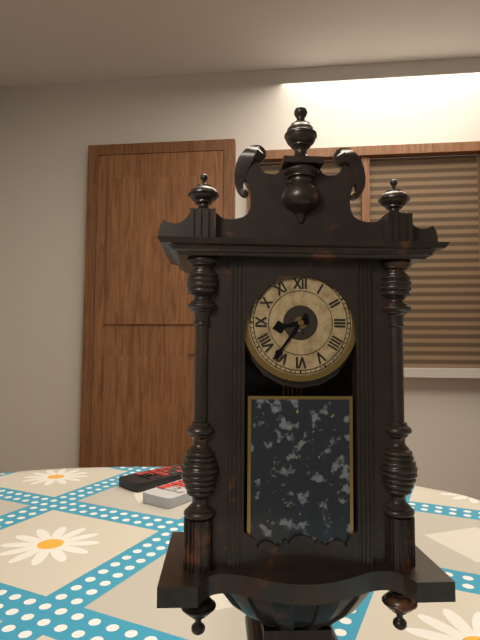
8:36
